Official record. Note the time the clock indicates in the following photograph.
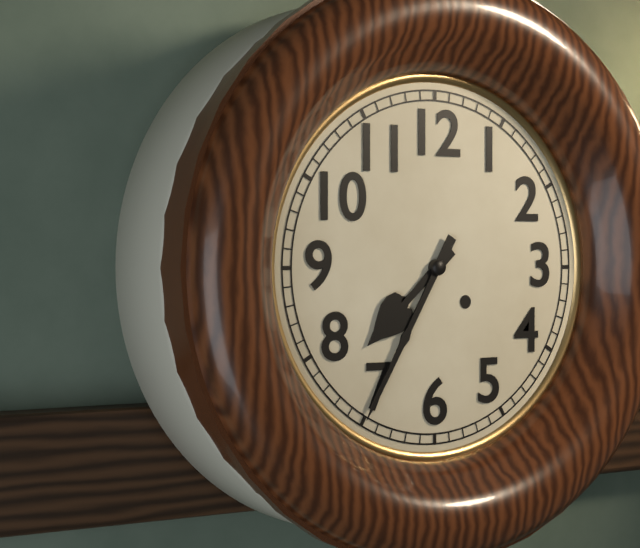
7:35
